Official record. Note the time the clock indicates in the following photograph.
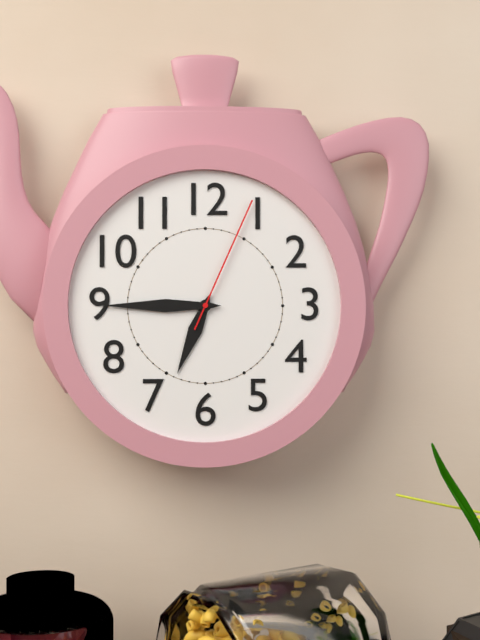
6:45:04
